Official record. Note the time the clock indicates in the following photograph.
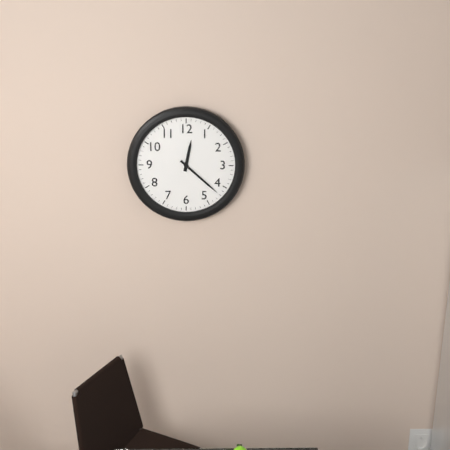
12:22
